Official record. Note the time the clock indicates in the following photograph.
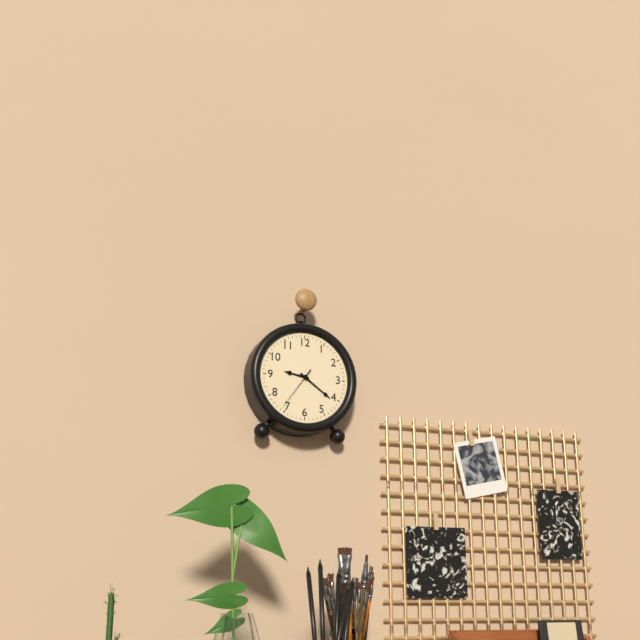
9:21
